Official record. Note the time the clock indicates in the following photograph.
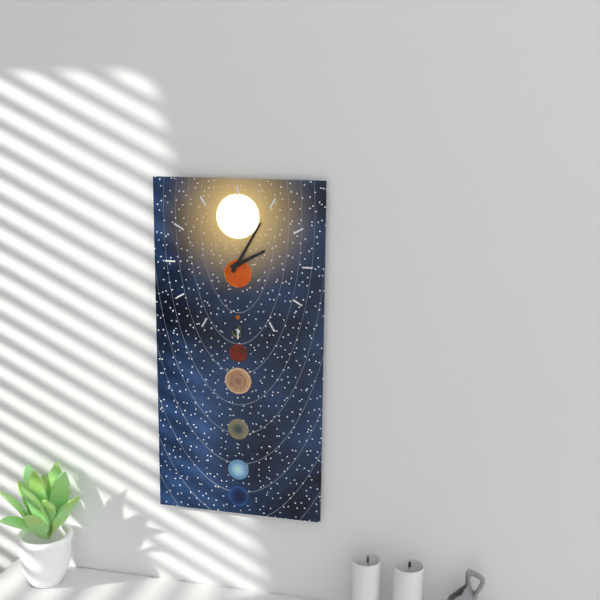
2:05
